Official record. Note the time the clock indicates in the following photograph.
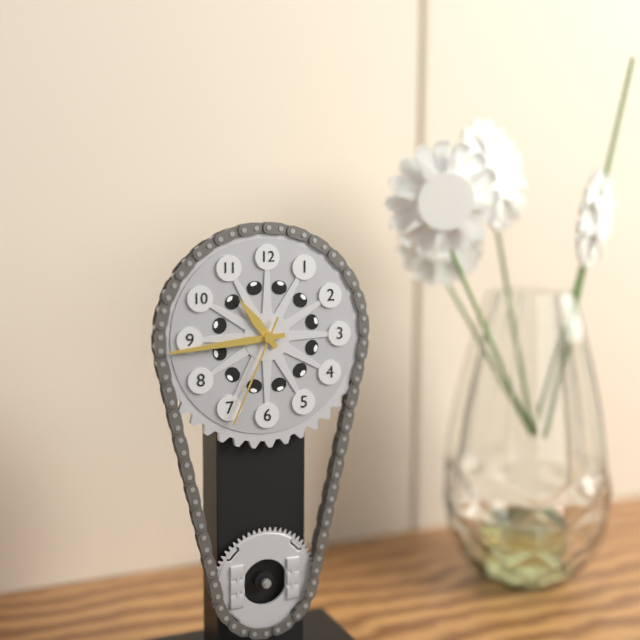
10:44:34
